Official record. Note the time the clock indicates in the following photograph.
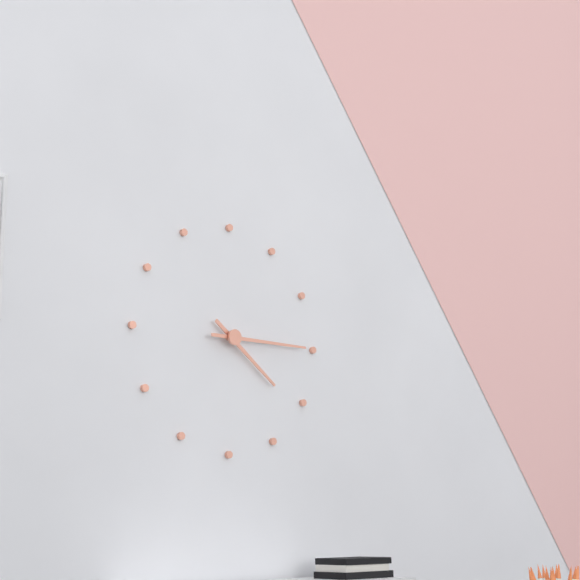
4:15
